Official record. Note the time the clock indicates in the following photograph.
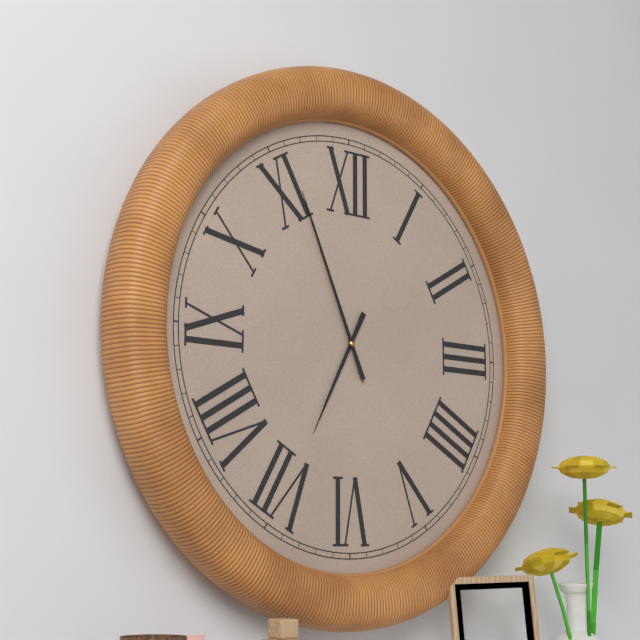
6:56
